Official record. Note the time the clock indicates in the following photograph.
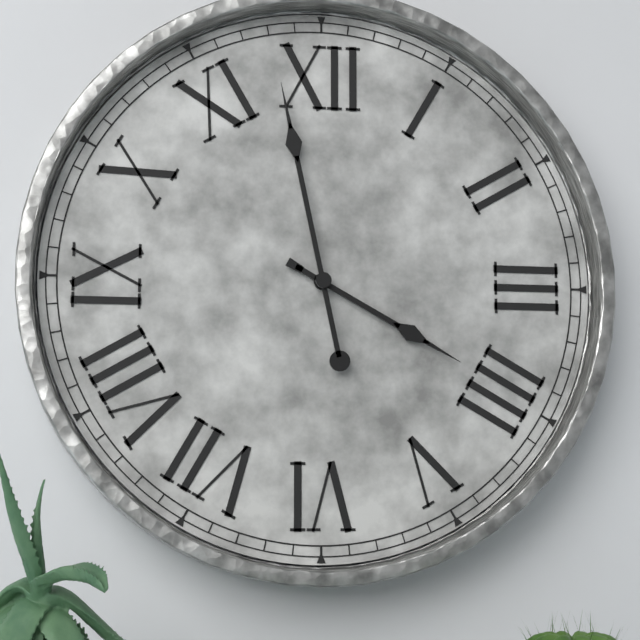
3:58
